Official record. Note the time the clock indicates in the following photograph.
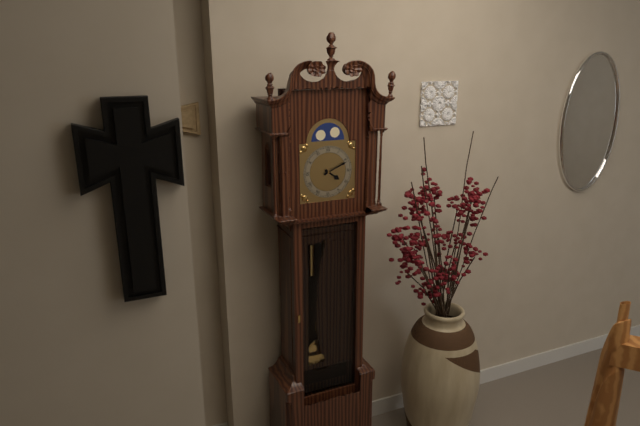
4:11
